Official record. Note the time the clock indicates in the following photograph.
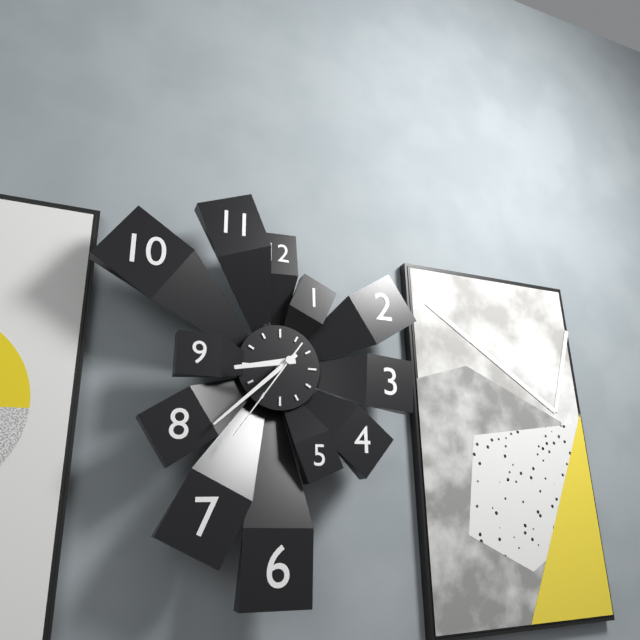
8:38:36
